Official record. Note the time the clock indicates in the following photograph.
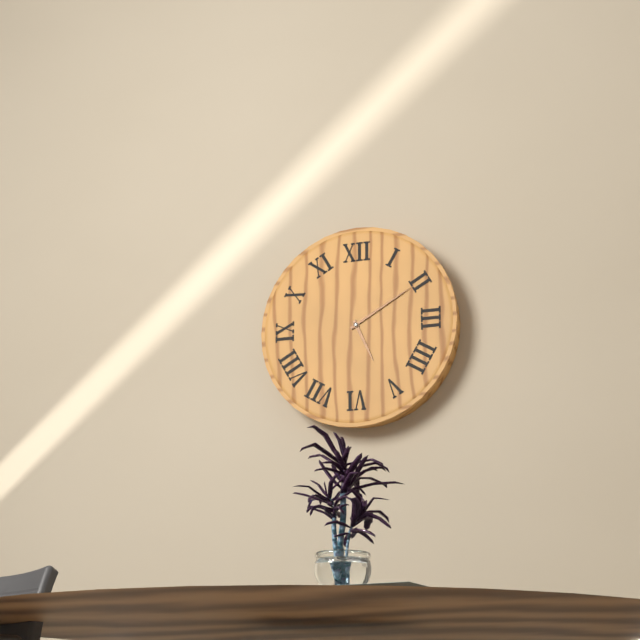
5:10
